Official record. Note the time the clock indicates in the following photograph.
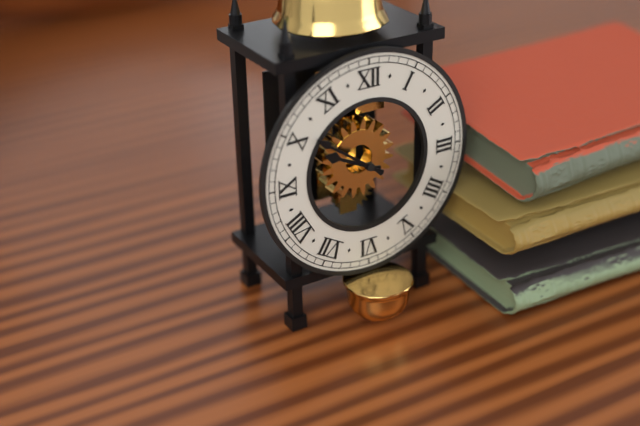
9:51
